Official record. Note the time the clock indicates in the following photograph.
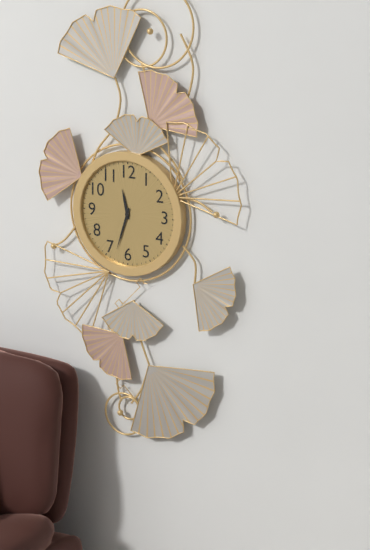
11:33
